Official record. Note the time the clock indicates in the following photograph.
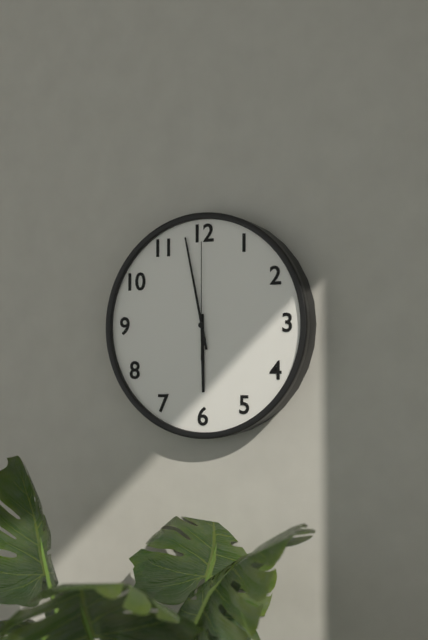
5:58:00
